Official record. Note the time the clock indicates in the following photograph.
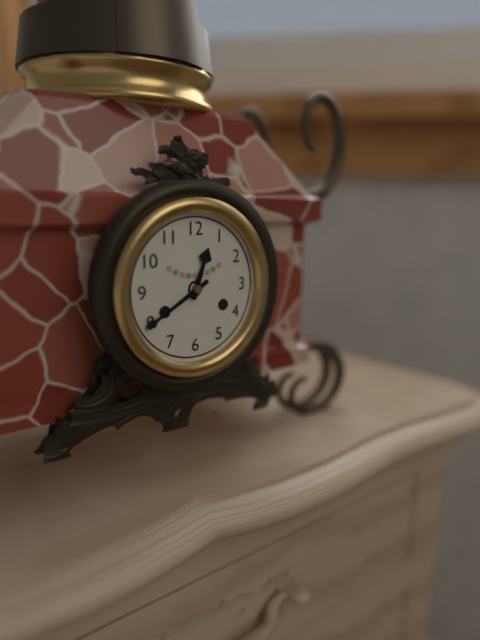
12:40
